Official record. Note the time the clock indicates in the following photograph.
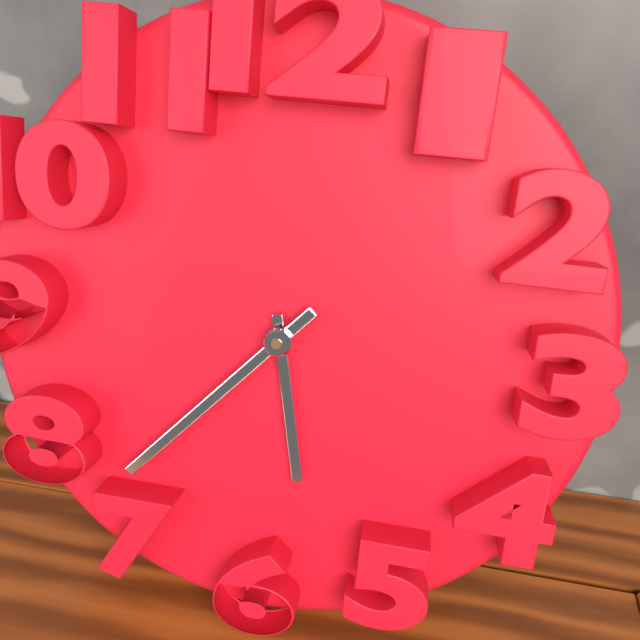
5:37
